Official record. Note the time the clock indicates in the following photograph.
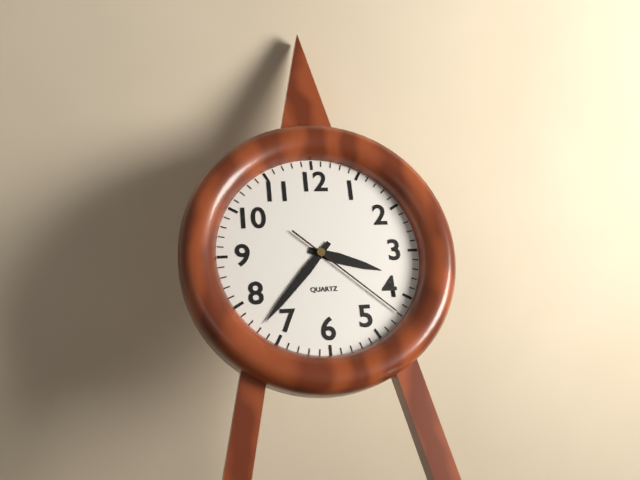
3:37:22
